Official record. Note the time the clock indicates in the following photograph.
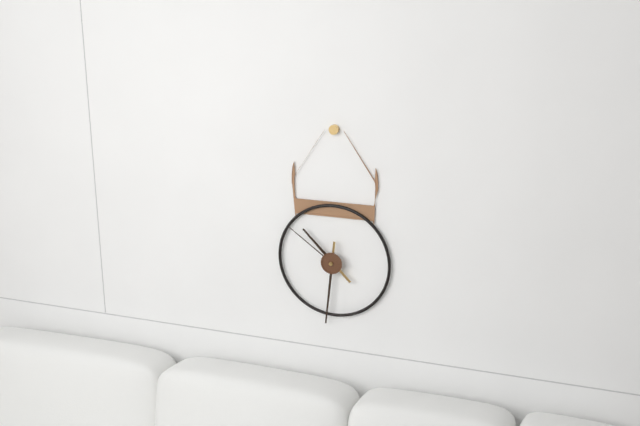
10:31:51
